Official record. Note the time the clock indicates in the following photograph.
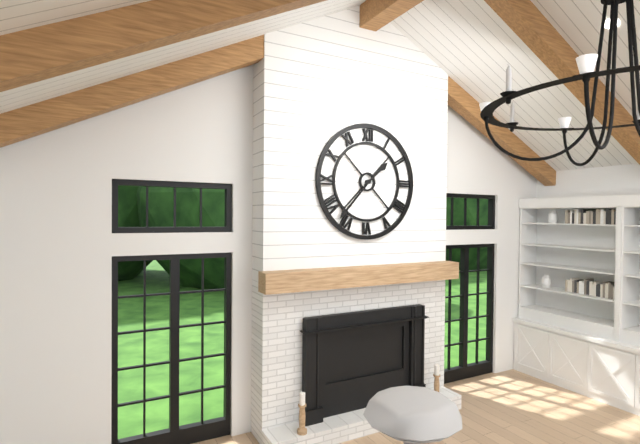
1:37
